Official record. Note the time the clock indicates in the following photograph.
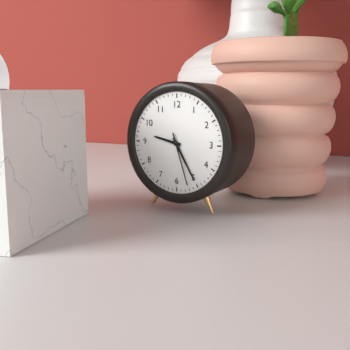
9:25:27
